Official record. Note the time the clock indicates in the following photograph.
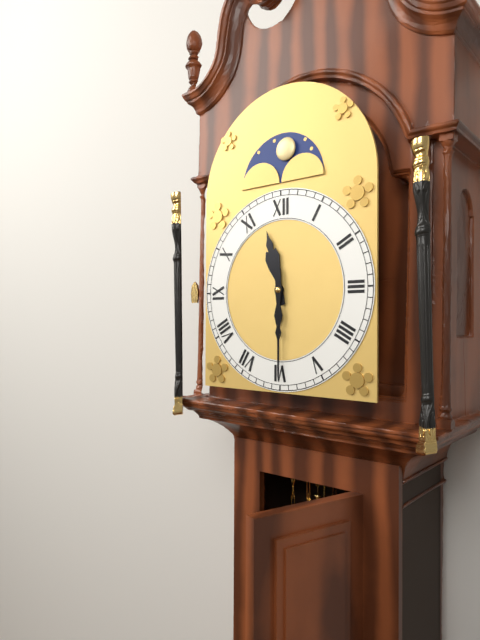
11:30
